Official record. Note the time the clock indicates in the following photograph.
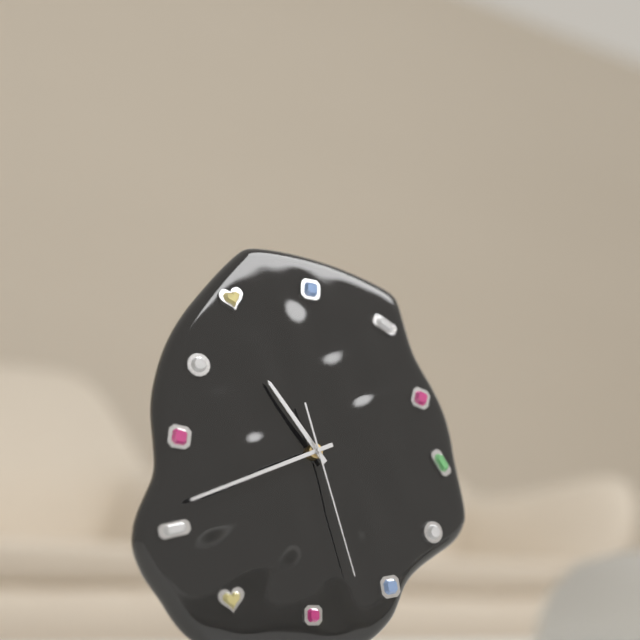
10:41:27
